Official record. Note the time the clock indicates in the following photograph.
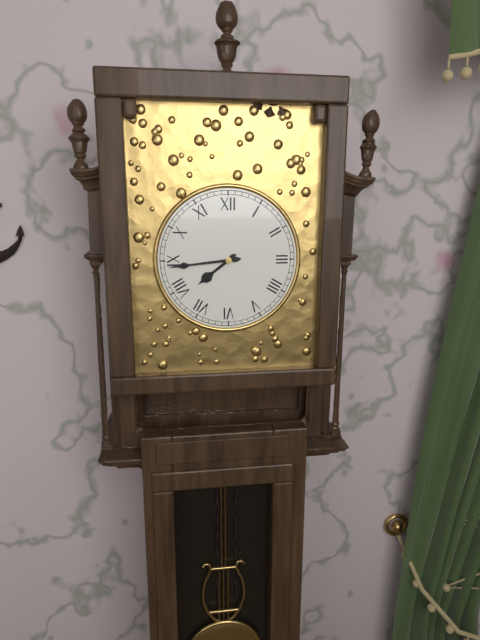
7:44
